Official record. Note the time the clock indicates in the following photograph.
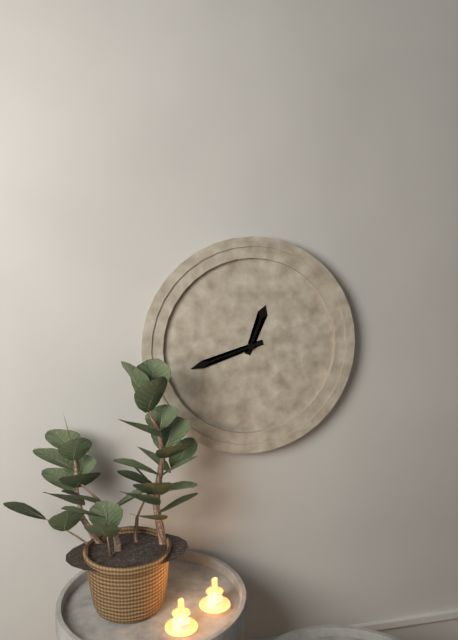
12:42
